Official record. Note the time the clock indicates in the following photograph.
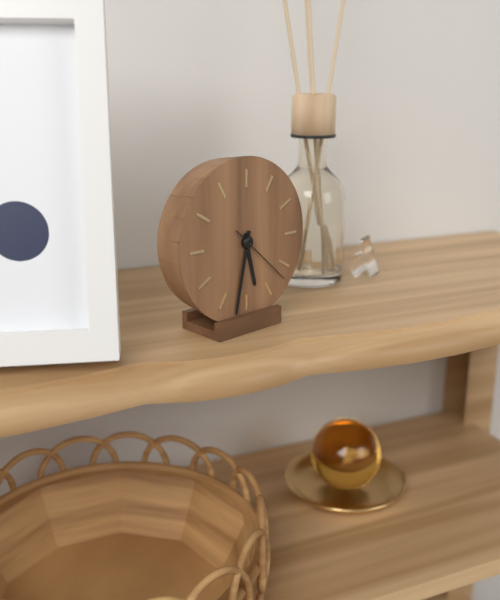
5:32:22
